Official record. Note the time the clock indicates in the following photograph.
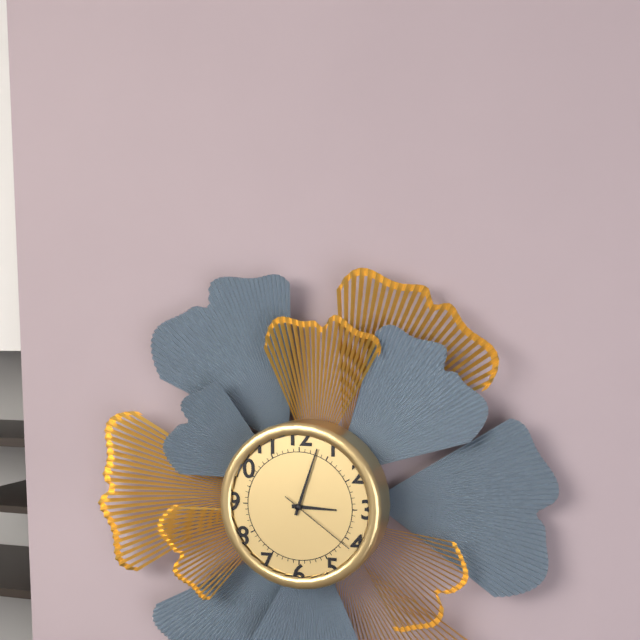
3:03:21
